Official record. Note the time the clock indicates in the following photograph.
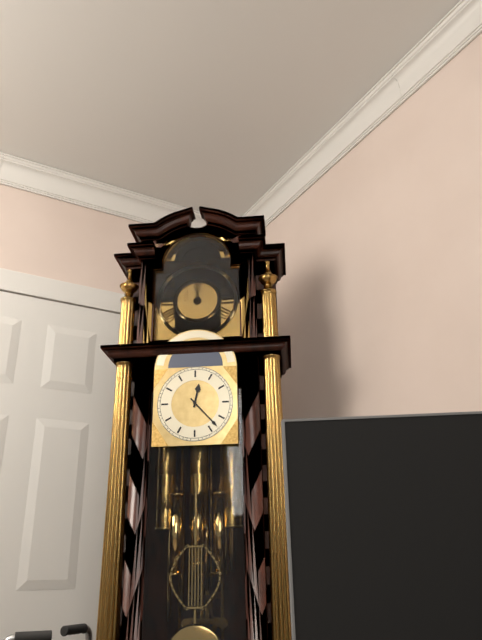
12:23
